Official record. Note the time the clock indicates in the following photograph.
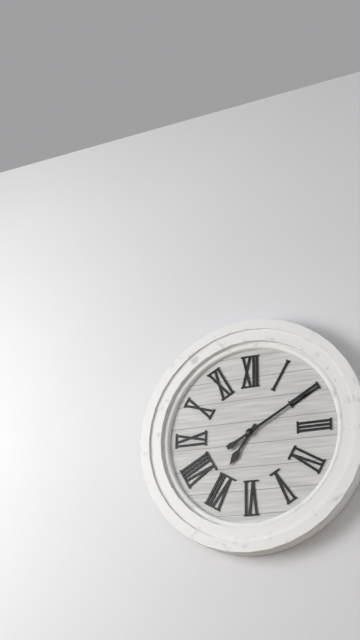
7:10
